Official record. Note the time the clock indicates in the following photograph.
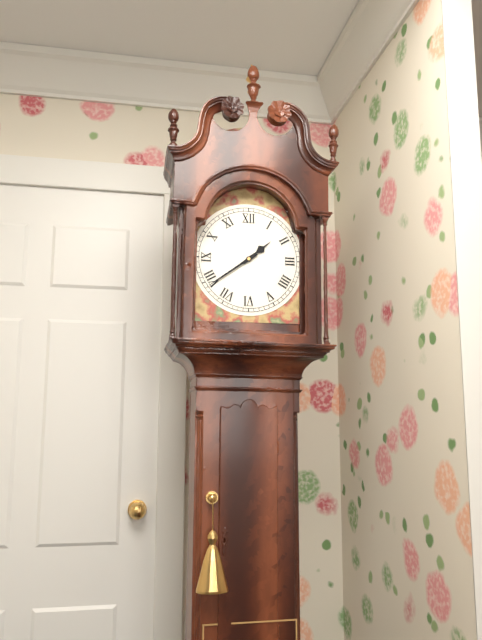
1:39
